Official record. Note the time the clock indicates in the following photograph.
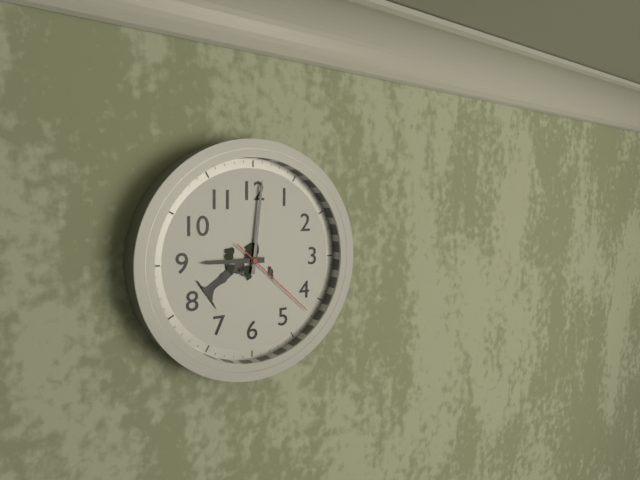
9:01:22
